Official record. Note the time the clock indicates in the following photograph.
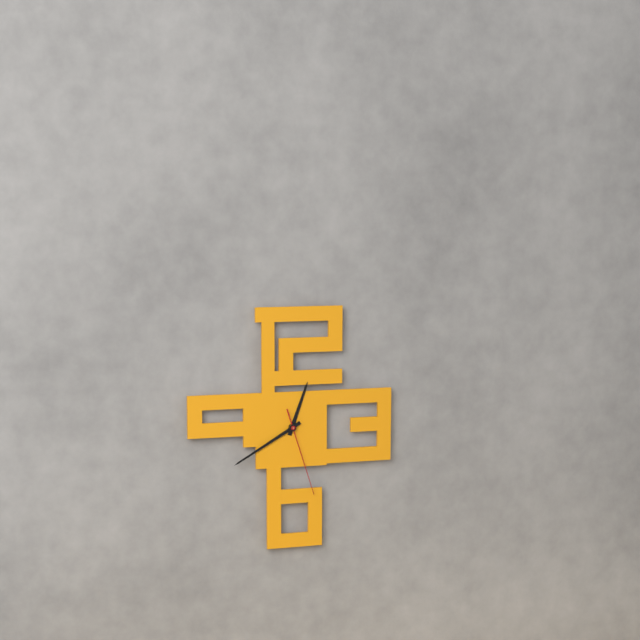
12:40:27
